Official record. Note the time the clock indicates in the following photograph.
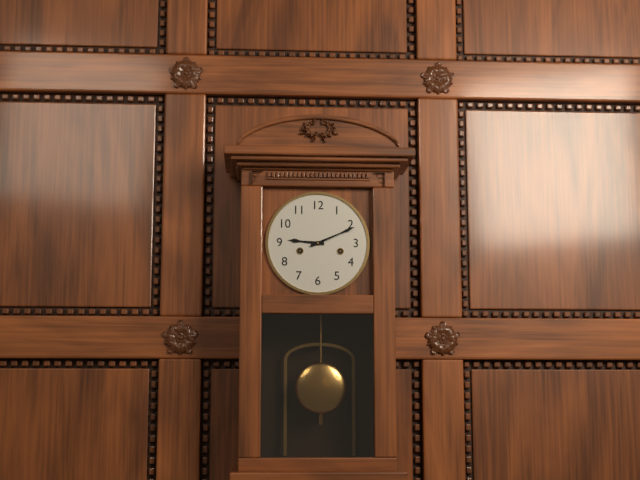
9:11
